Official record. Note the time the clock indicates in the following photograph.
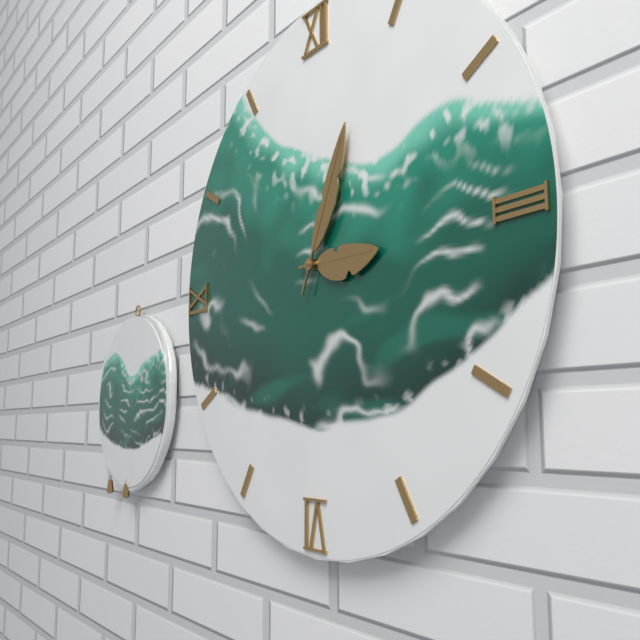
3:04
